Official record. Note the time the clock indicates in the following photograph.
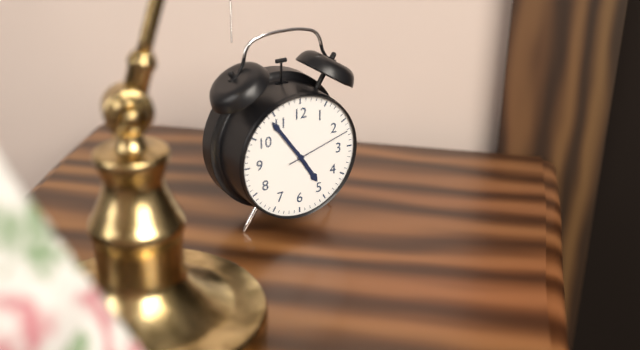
4:54:12
